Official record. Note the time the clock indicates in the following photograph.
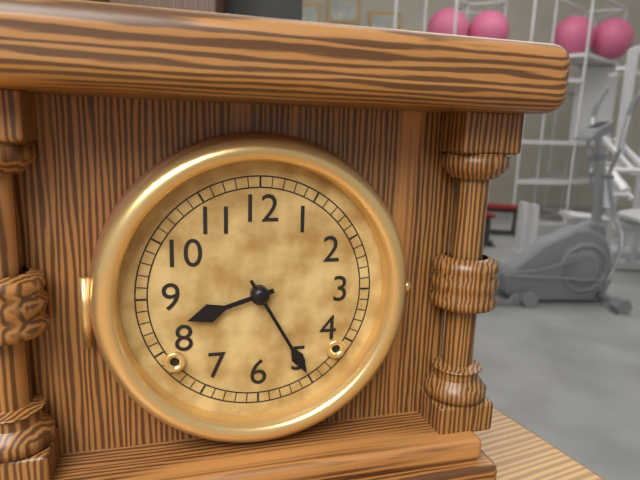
8:25
